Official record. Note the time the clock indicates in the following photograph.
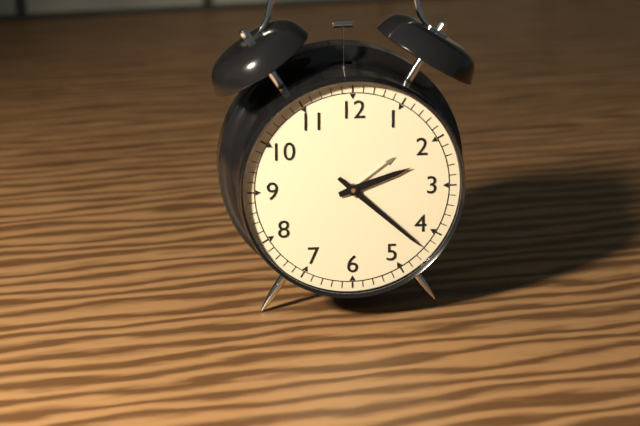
2:22
